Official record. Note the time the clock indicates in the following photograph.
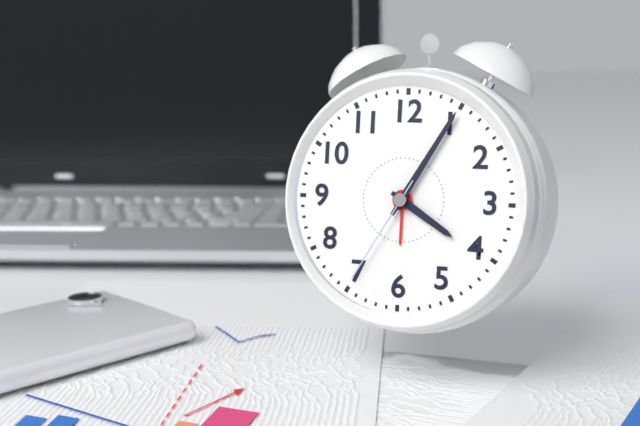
4:05:35
